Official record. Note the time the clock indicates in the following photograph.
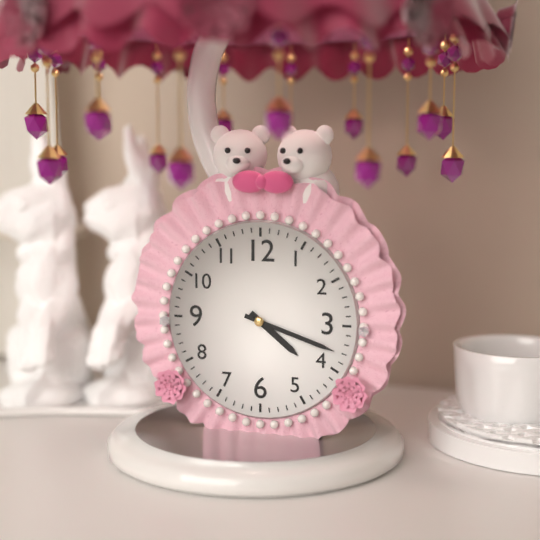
4:18
